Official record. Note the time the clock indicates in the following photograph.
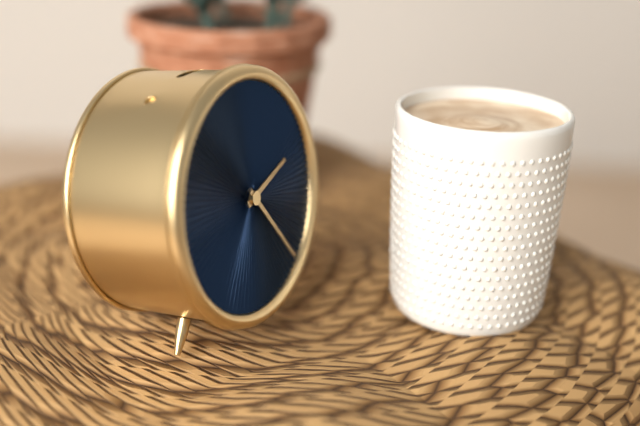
2:24
